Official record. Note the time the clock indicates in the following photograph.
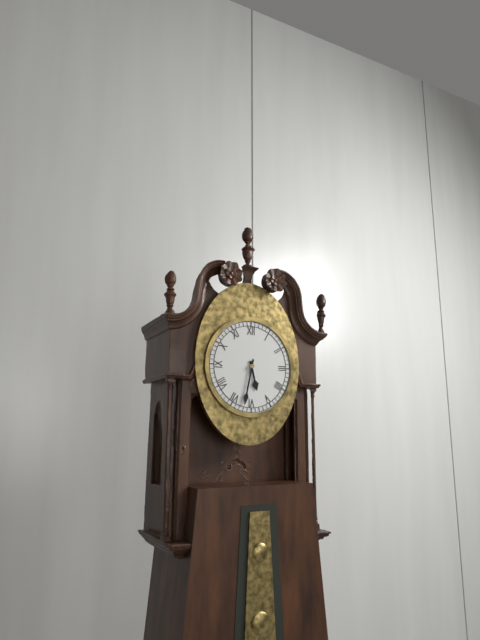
5:32
